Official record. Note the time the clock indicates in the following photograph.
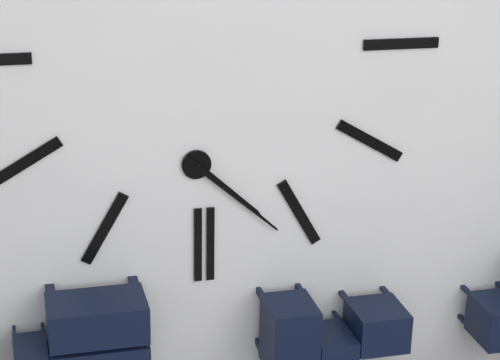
4:22
